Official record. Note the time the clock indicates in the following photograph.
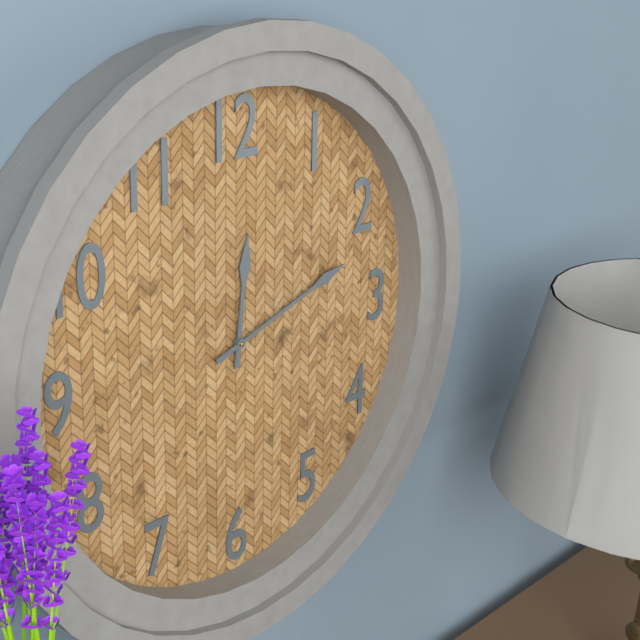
12:12
